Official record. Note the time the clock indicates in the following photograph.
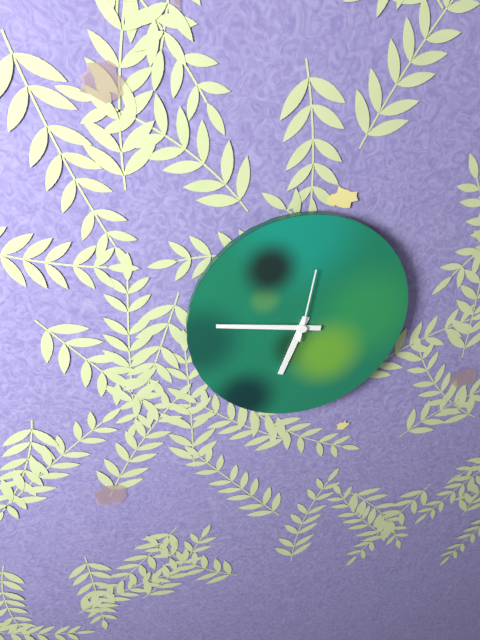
6:47:02
